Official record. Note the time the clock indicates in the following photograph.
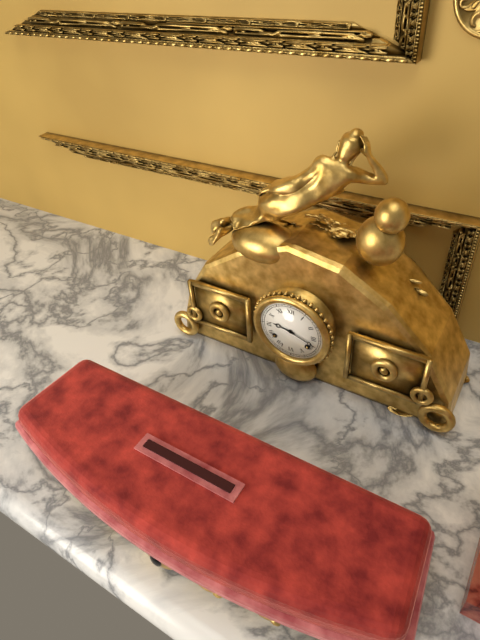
9:18
